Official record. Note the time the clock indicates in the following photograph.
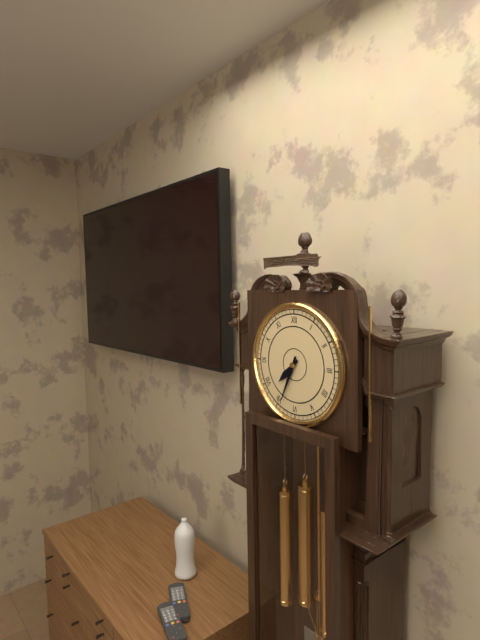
7:34
